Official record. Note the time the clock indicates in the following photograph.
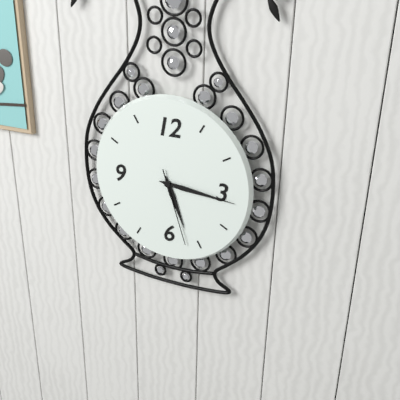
5:16:27
